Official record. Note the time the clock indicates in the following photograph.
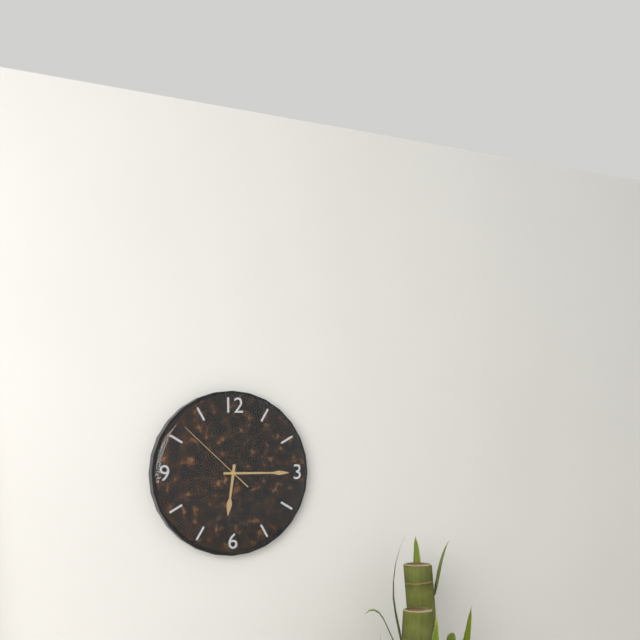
6:15:52
